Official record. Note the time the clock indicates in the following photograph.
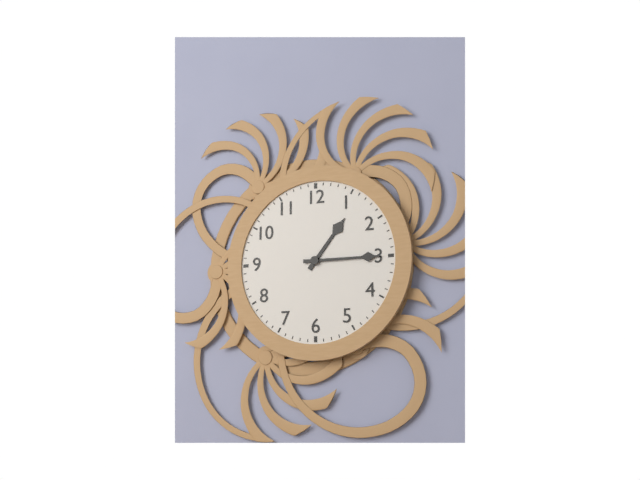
1:15
